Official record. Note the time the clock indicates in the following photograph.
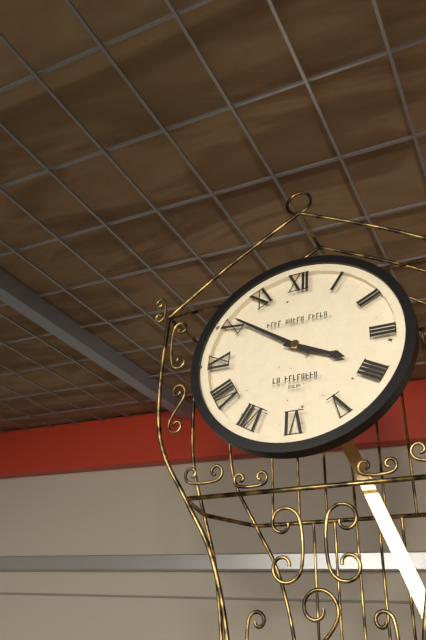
3:51
